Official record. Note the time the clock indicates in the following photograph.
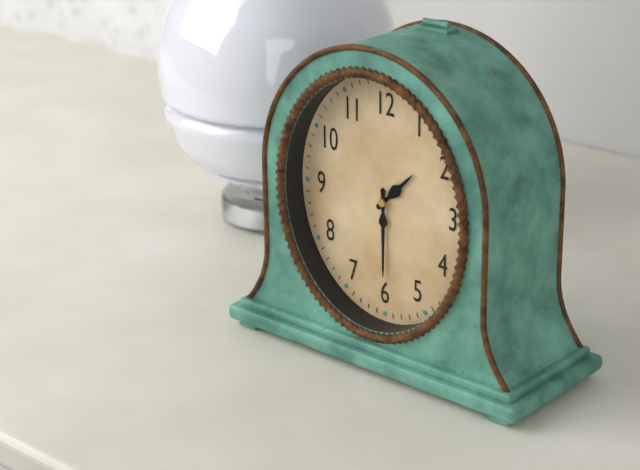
1:30
